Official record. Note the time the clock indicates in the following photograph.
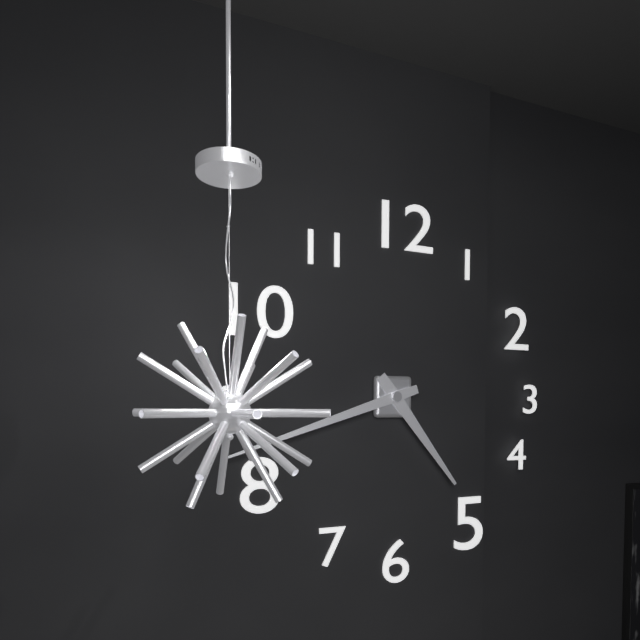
4:42
